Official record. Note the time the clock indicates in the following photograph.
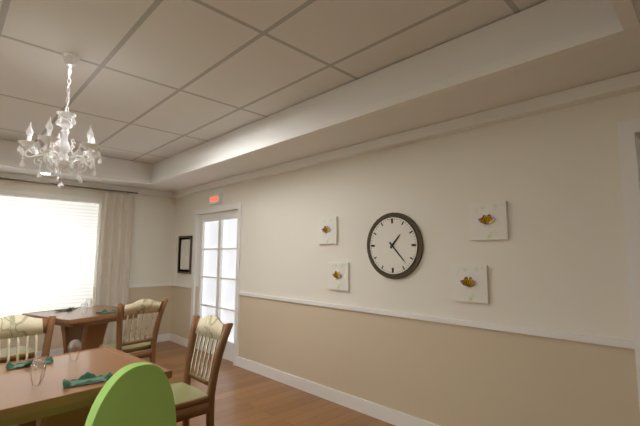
1:23
